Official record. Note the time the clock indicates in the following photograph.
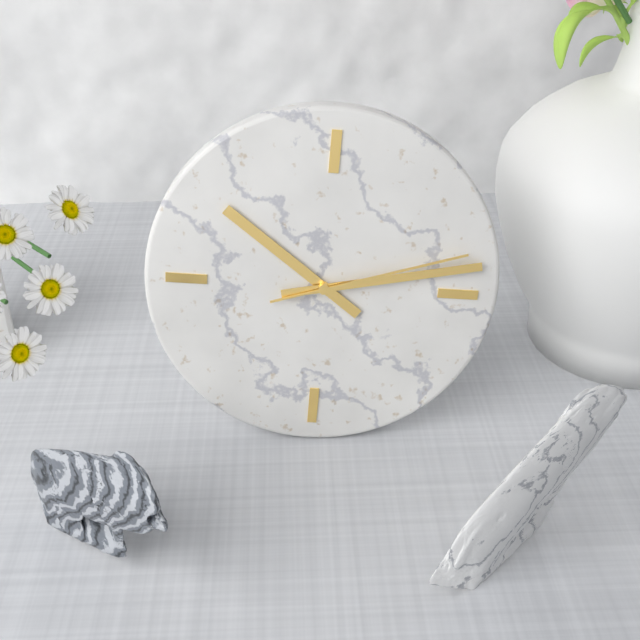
10:13:12
